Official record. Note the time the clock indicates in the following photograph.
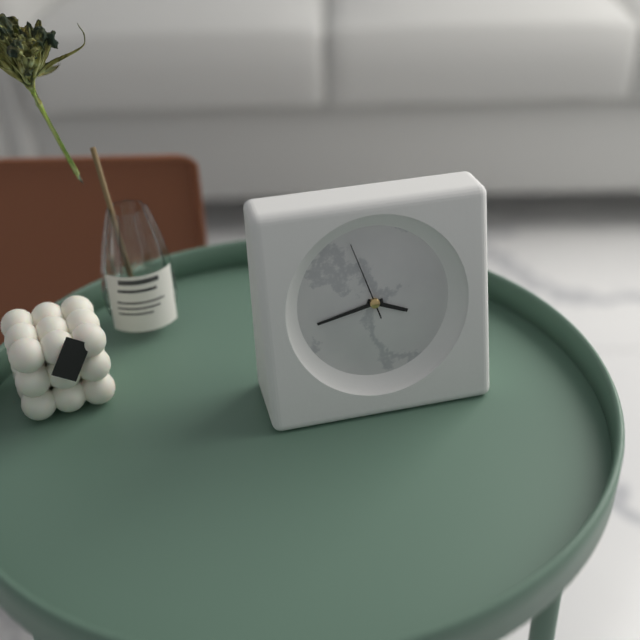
3:43:57
